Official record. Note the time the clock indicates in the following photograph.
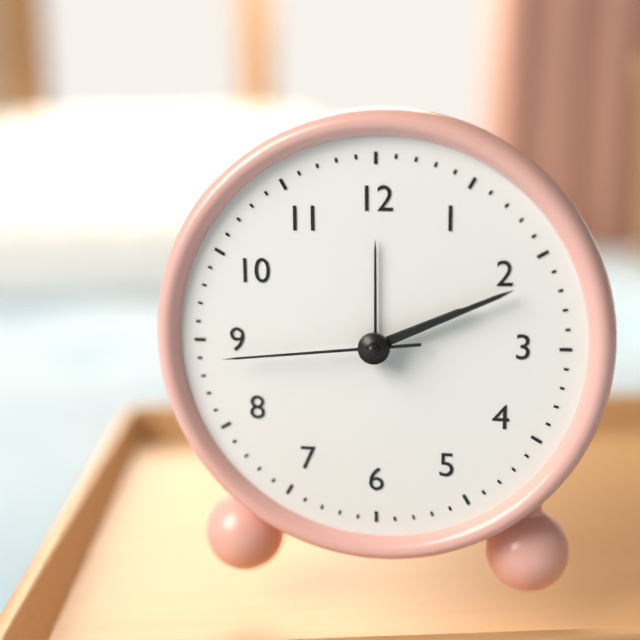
2:11:44
